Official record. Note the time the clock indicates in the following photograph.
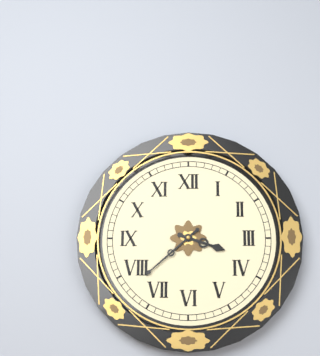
3:38
